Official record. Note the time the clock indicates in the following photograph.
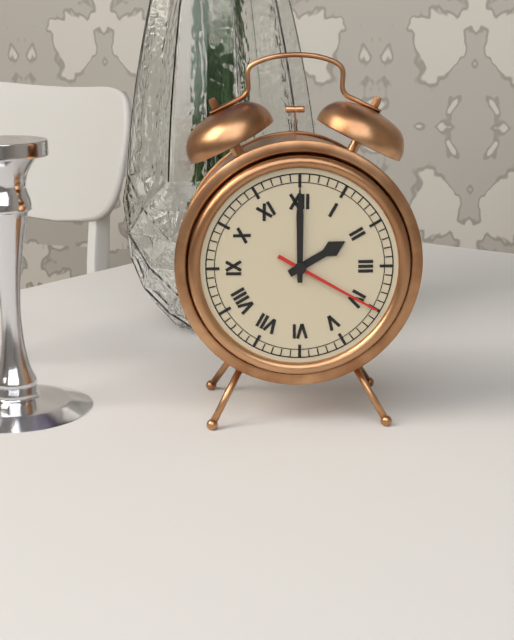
2:00:20
